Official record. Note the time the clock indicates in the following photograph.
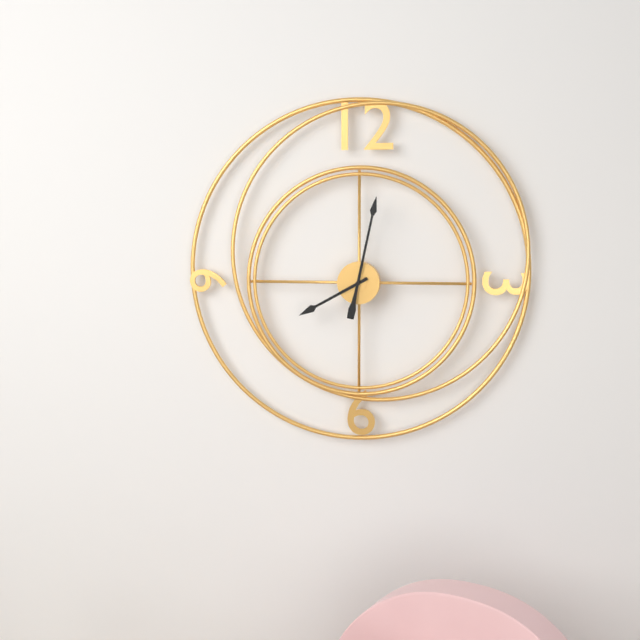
8:02
